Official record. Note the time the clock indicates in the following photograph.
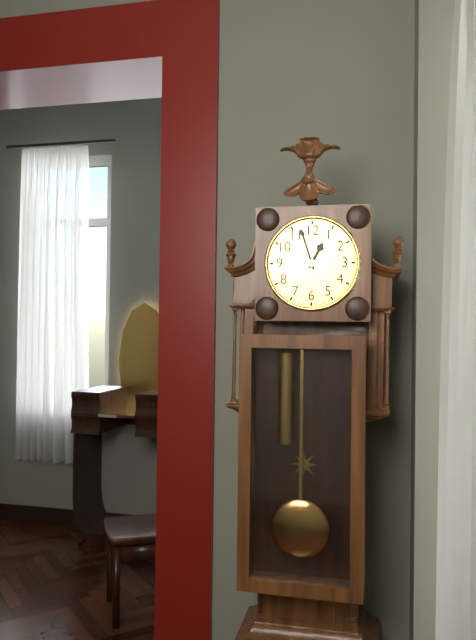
12:57
